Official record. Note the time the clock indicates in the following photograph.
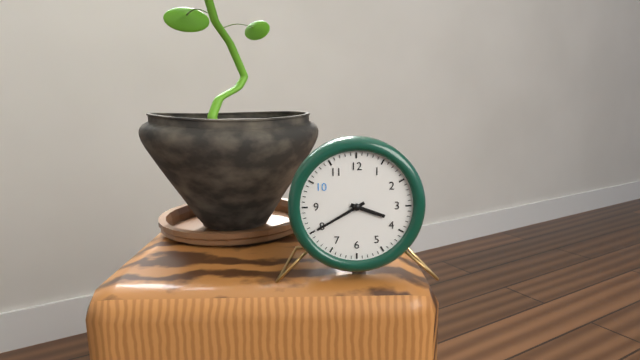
3:40
